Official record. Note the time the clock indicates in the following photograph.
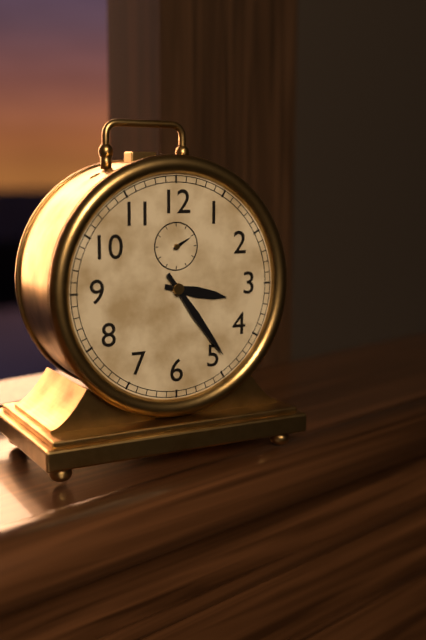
3:24
